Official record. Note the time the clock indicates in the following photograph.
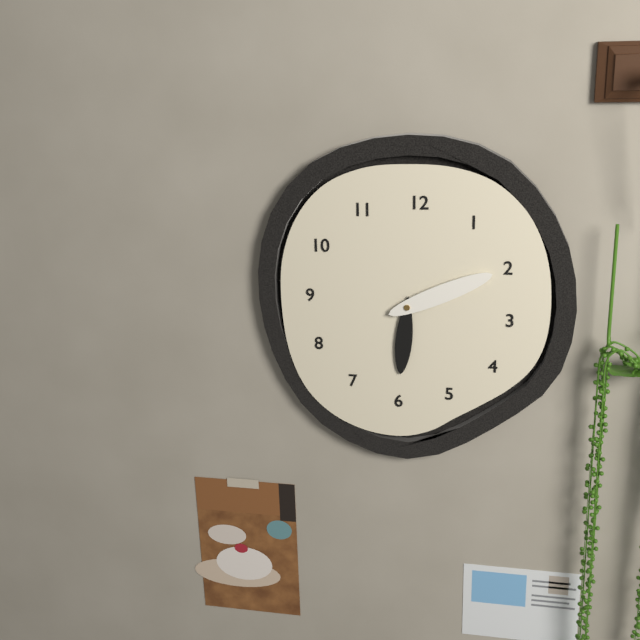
6:11
